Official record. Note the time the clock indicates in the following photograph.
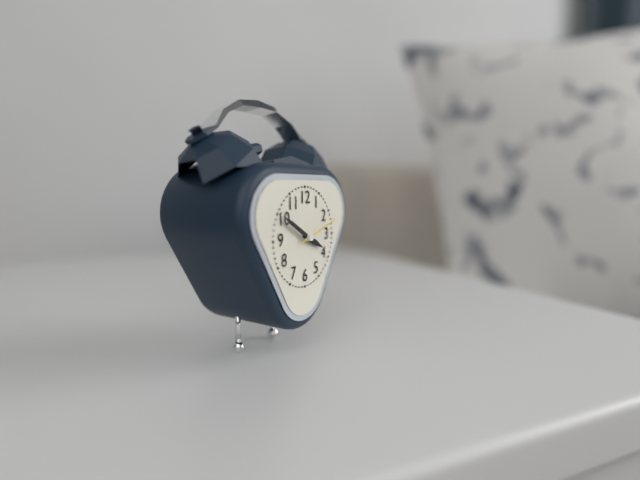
3:50
